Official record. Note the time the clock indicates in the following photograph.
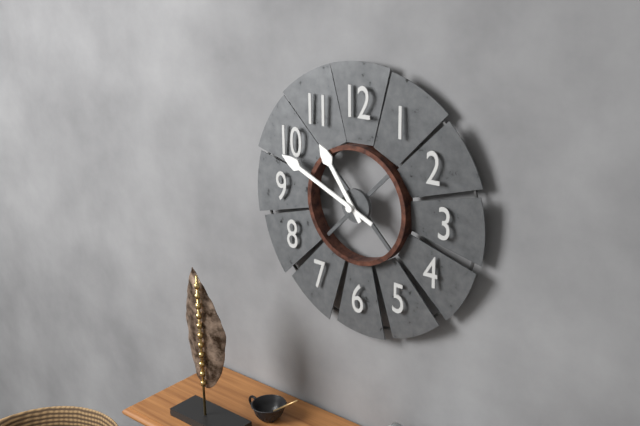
10:49
